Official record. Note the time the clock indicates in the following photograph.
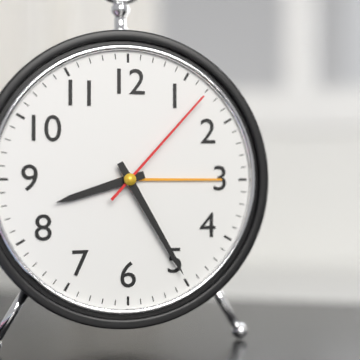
8:25:07
